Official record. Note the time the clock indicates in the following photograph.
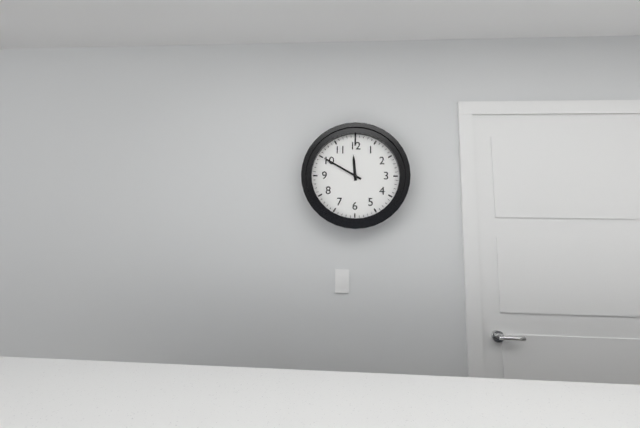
11:50
